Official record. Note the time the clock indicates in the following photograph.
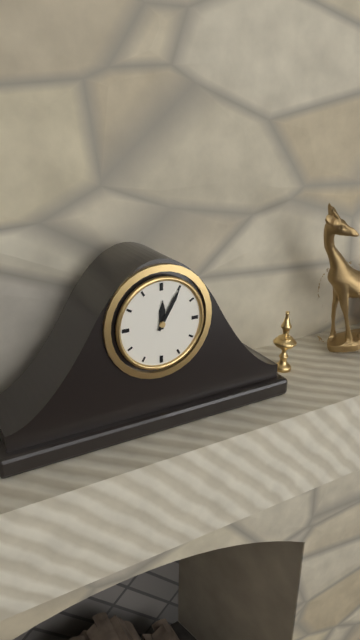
12:05
